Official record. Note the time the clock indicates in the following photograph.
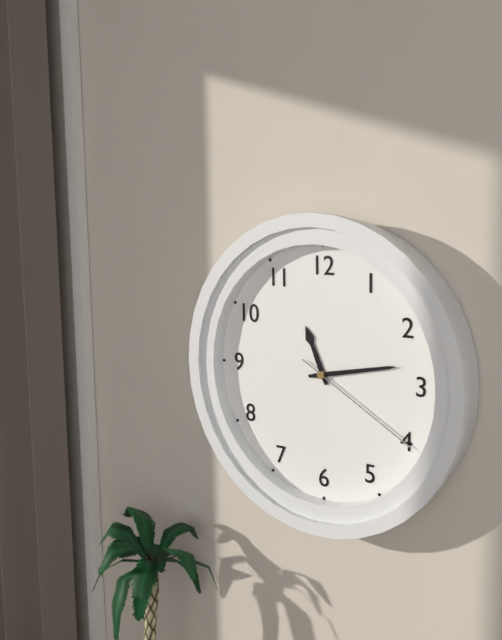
11:13:20
